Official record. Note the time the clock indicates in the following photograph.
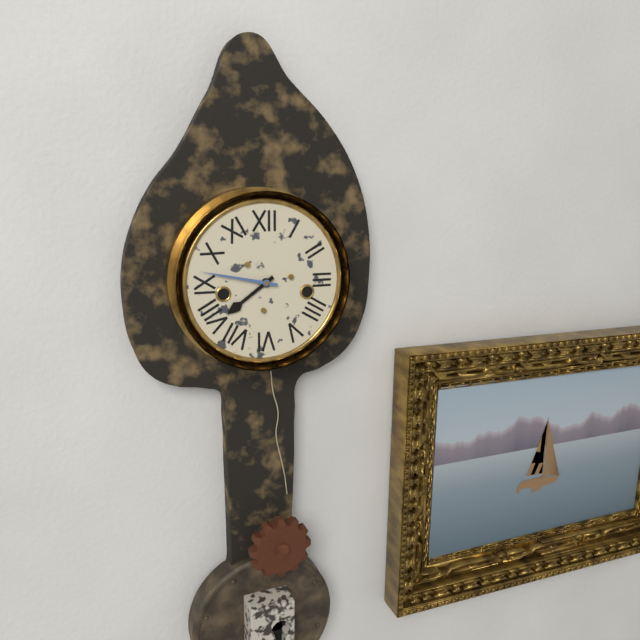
7:47
